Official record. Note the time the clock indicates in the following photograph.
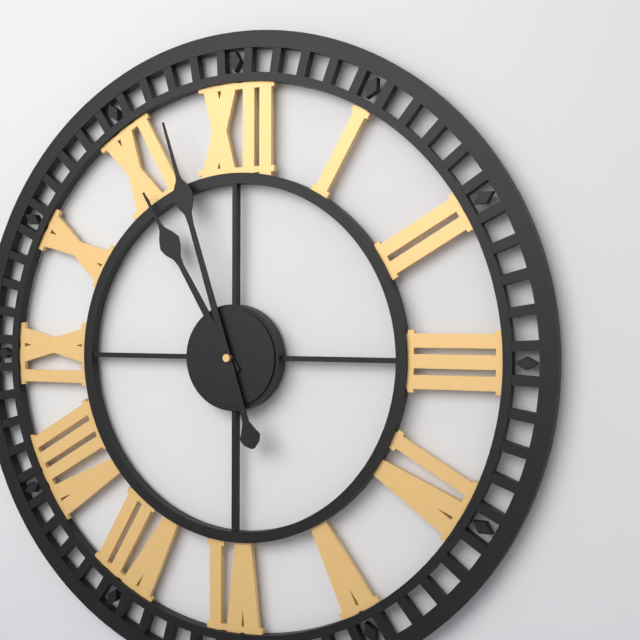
10:57
